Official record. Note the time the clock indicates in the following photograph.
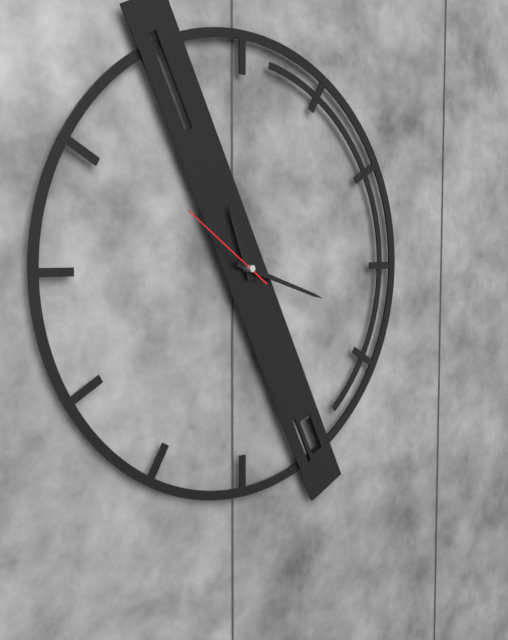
11:18:51
